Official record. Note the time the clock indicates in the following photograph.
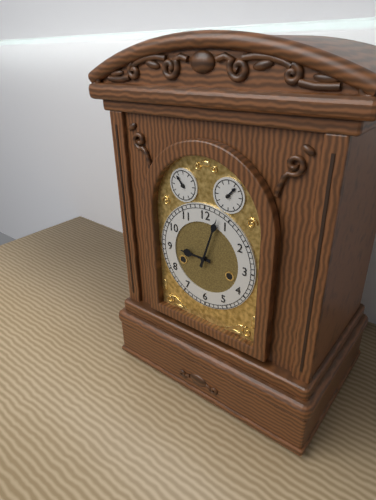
9:03
